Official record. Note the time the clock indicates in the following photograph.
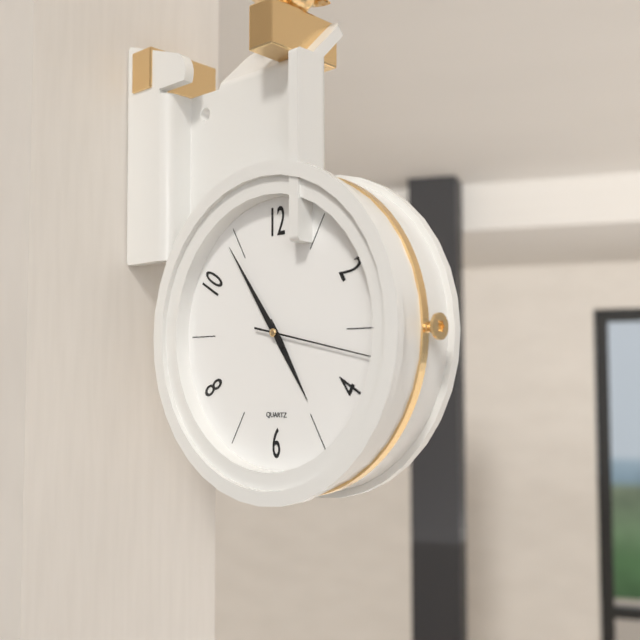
4:54:17
